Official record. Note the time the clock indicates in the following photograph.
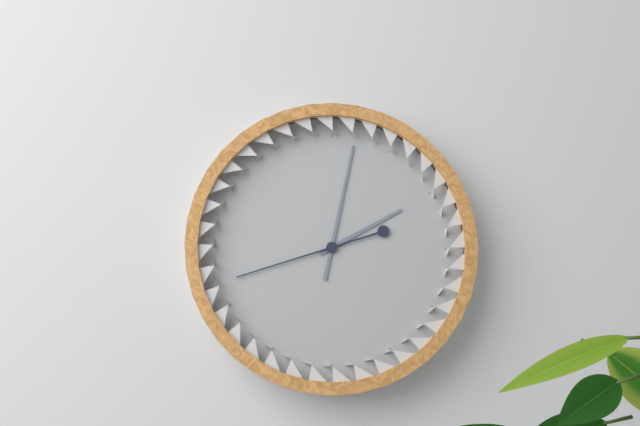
2:02:42
